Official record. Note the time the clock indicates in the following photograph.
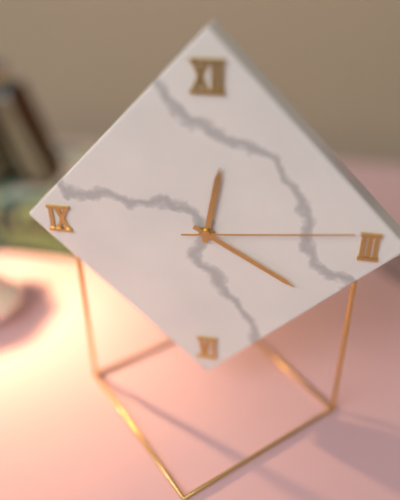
12:20:14
